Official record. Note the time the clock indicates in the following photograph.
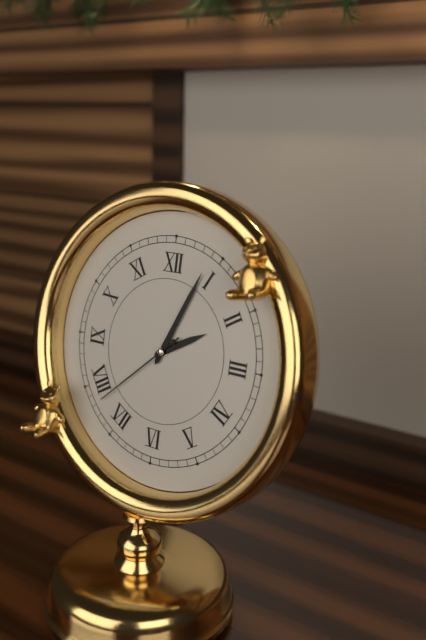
2:04:38
